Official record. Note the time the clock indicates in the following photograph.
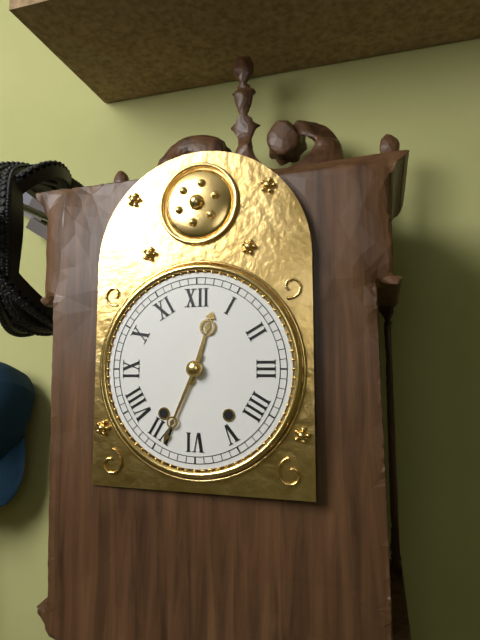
12:34
